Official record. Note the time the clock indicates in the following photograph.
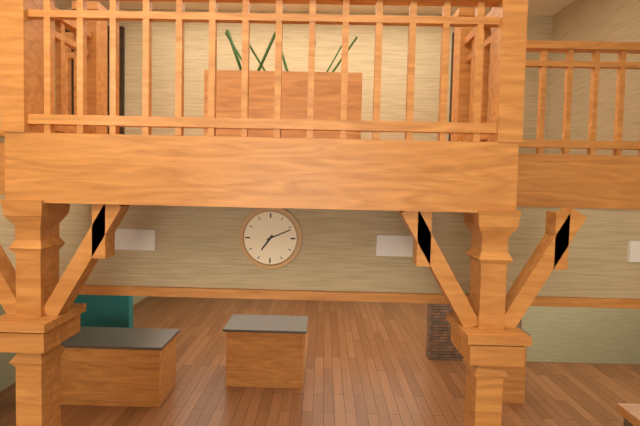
7:11
